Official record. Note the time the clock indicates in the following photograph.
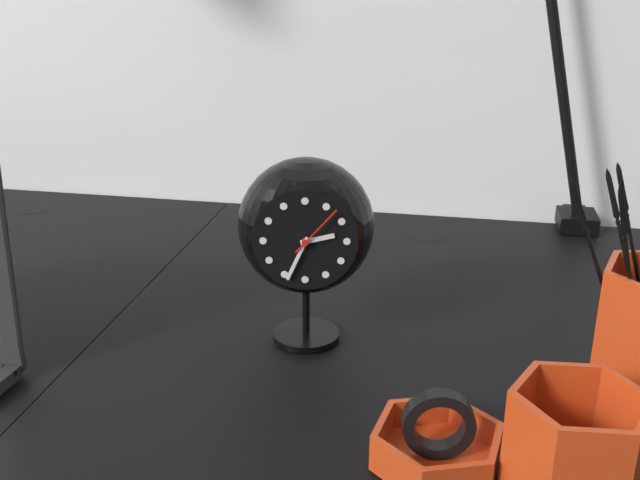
2:34
